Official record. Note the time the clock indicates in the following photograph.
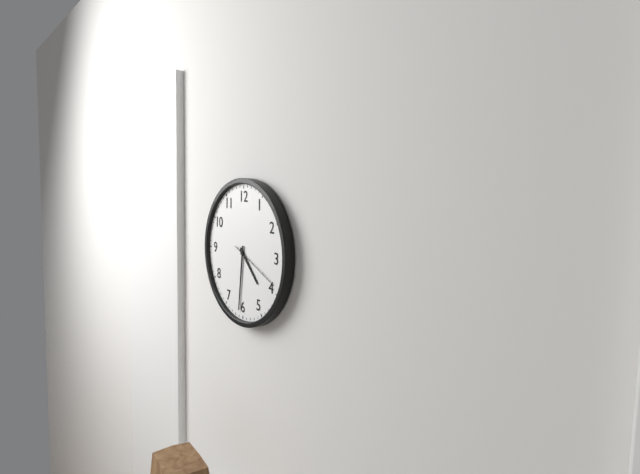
4:31:19
